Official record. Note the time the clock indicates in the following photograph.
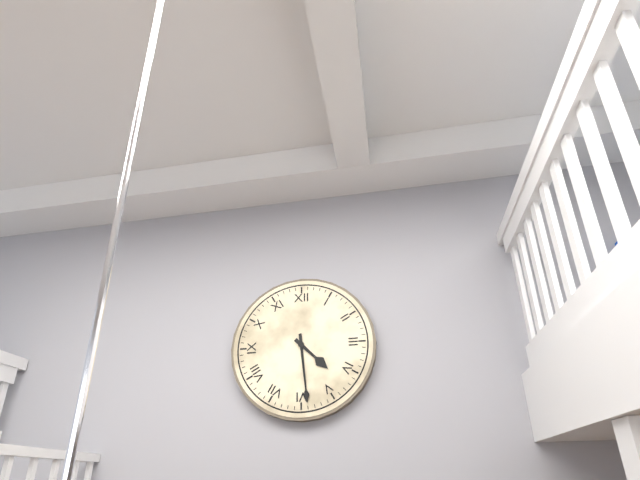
4:29
